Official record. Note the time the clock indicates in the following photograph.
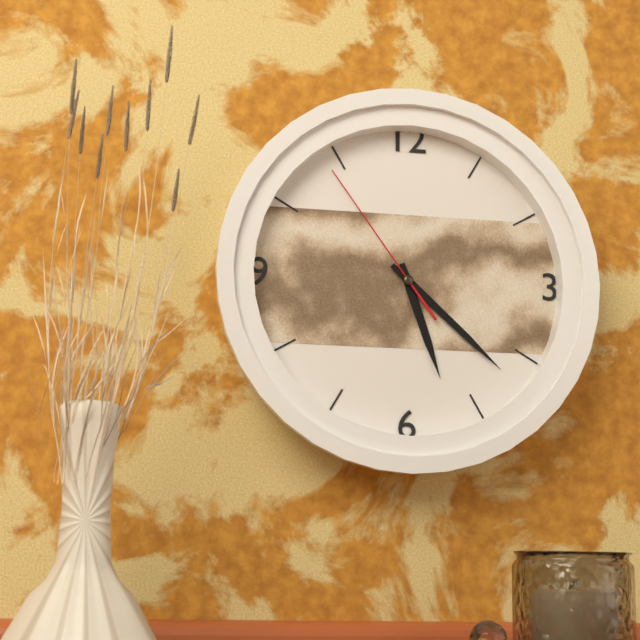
5:22:54
